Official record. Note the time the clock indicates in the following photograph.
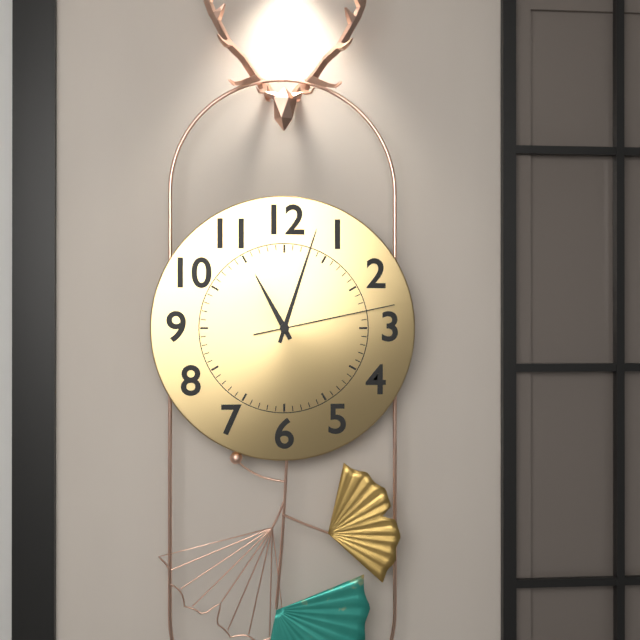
11:03:13
